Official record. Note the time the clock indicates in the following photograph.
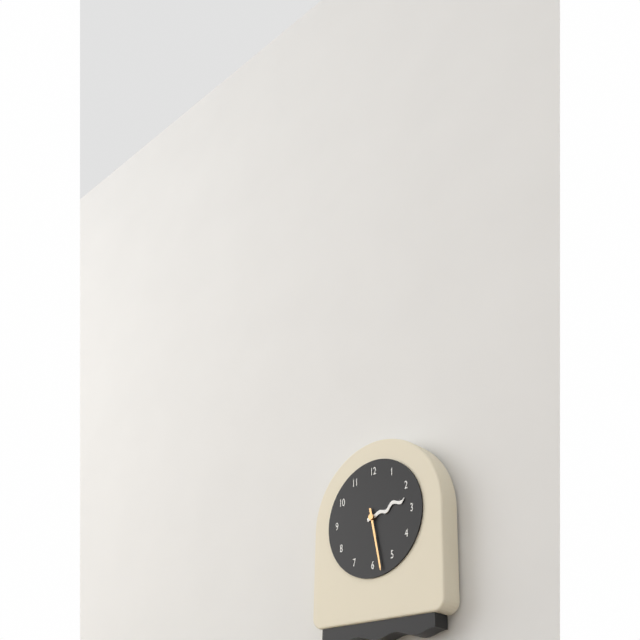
2:28
